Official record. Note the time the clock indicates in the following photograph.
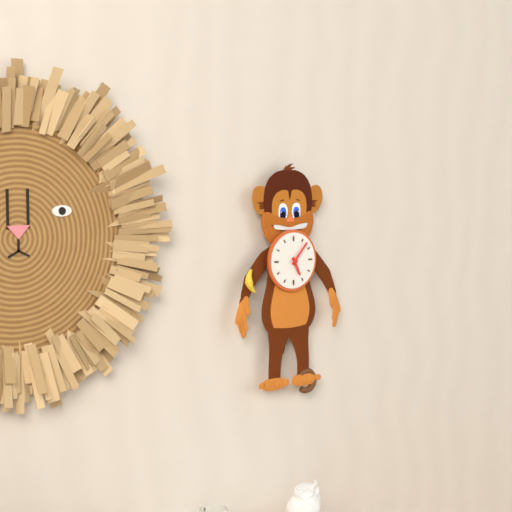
5:07
